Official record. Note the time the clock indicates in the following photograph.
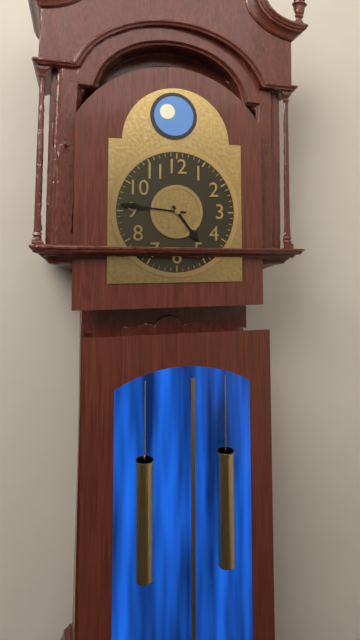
4:46
